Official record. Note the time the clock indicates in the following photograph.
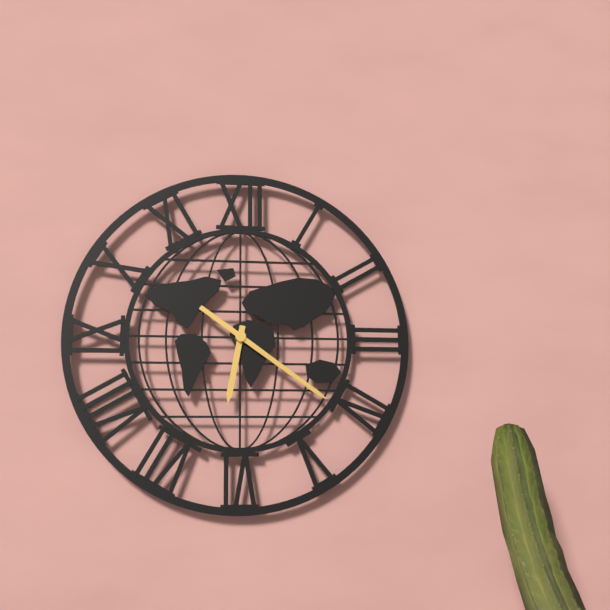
6:21
